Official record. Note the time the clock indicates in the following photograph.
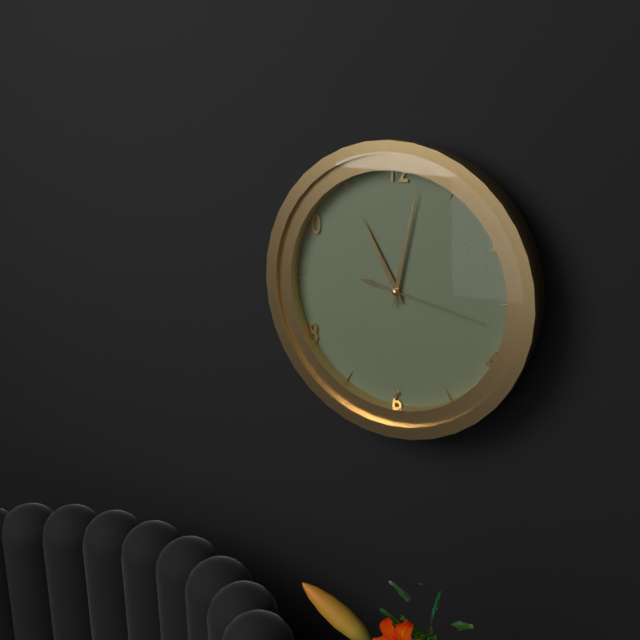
11:02:17
